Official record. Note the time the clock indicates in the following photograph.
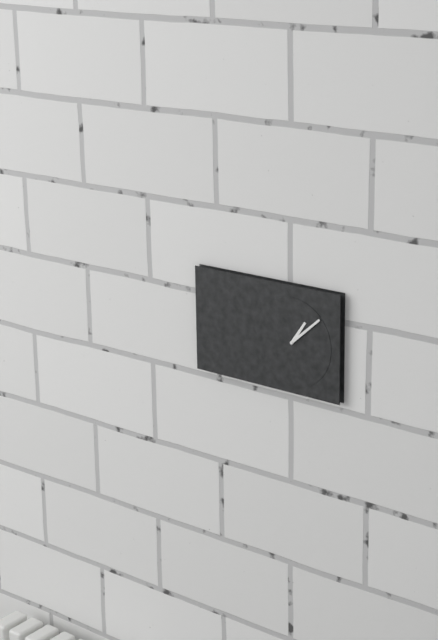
1:08
